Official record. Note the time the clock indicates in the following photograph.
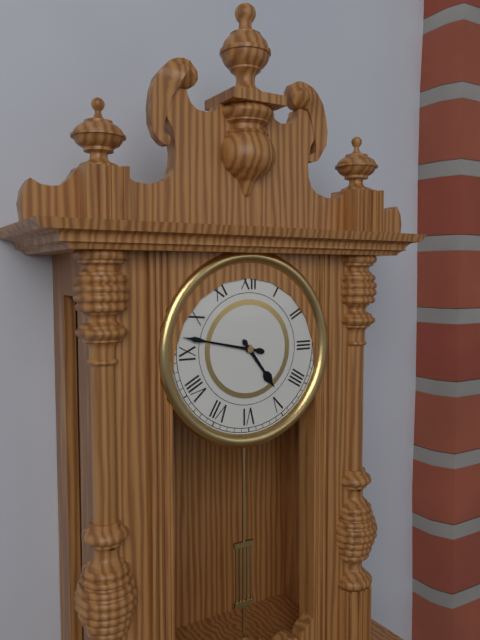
4:47
